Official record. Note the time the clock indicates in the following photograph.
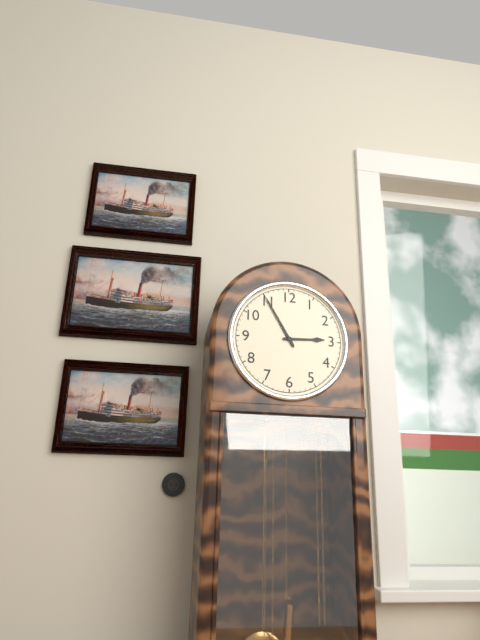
2:55
